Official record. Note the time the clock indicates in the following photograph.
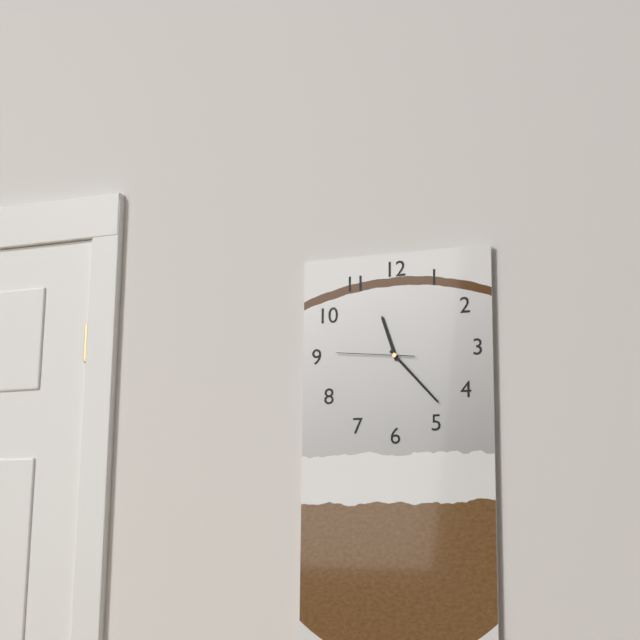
11:23:46
